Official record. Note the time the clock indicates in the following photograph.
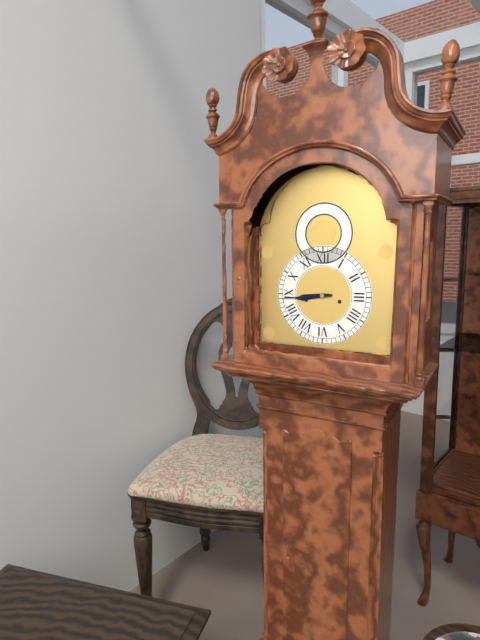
8:44
